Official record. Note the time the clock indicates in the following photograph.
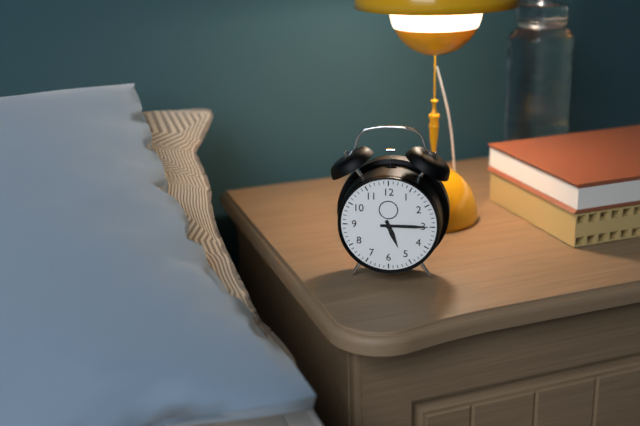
5:15
